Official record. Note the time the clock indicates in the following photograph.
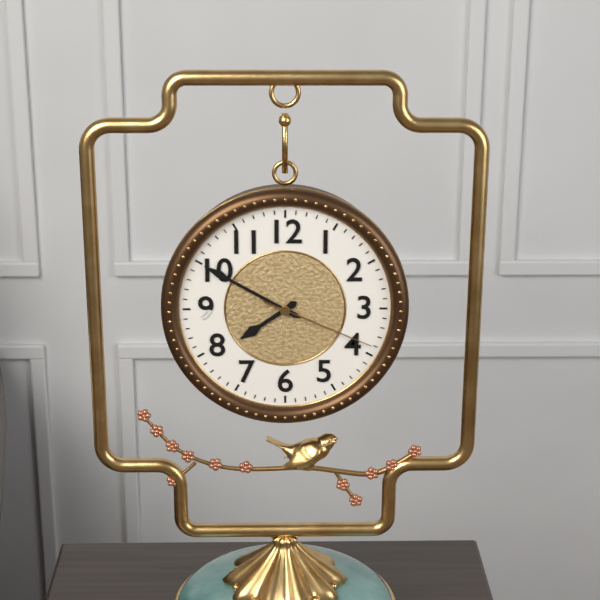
7:50:19
